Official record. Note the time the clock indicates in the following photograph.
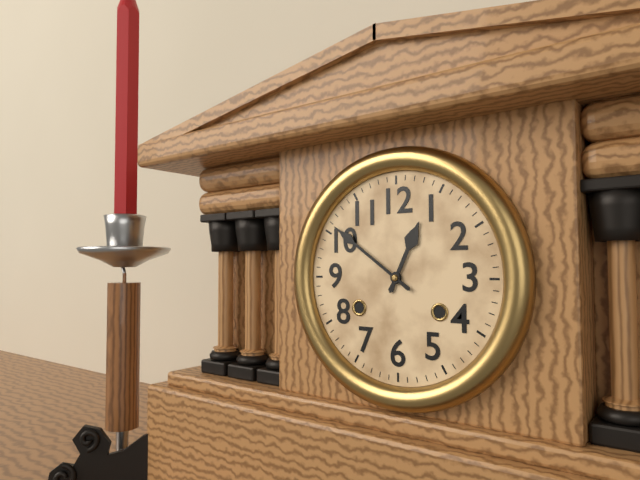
12:51
